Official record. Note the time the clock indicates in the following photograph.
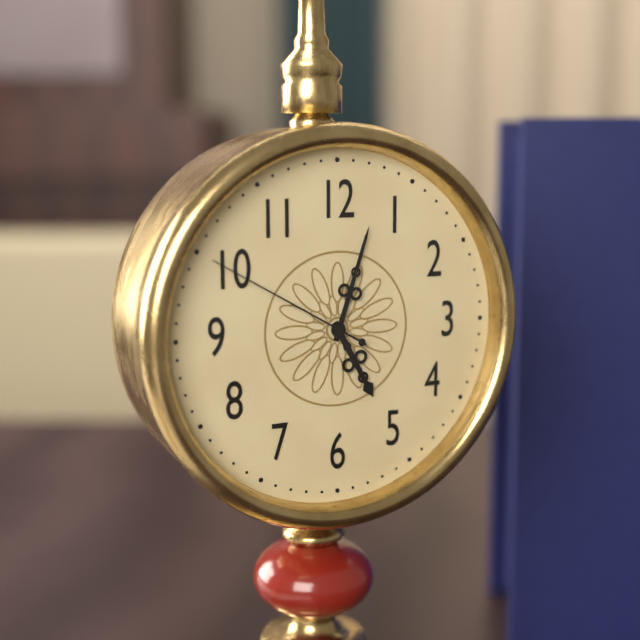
5:03:50
